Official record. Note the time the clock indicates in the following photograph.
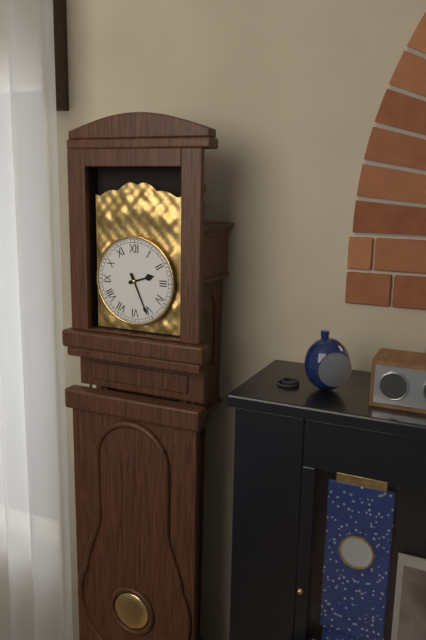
2:26
